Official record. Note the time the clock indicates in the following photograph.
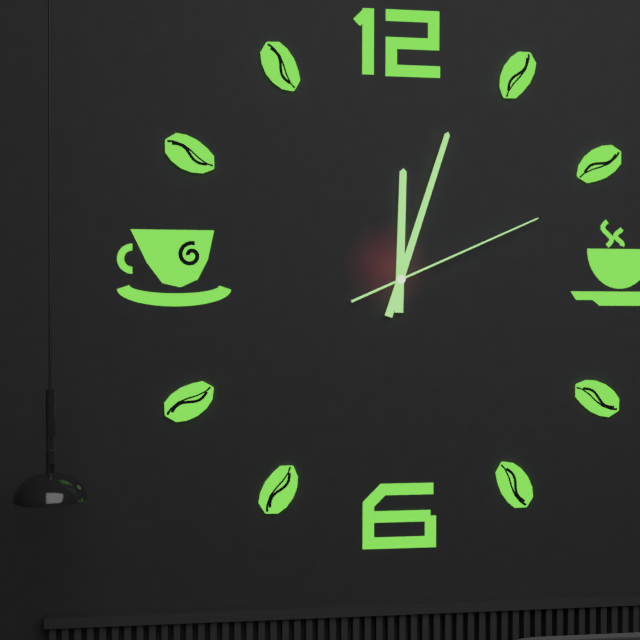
12:03:11
